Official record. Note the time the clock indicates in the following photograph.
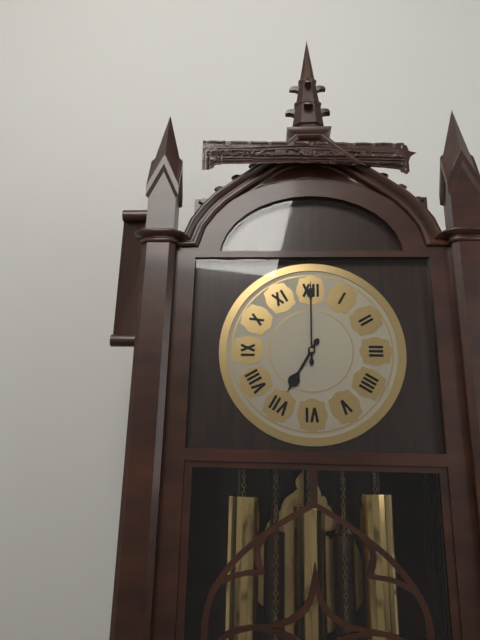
7:00
